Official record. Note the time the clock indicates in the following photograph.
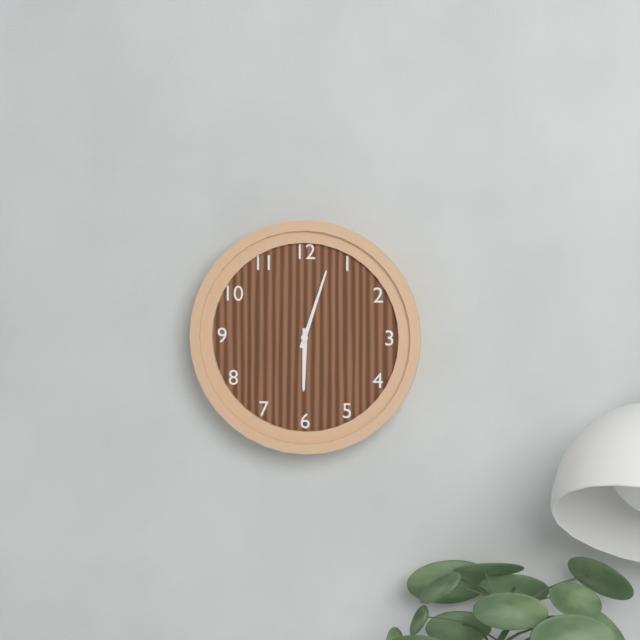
6:03
